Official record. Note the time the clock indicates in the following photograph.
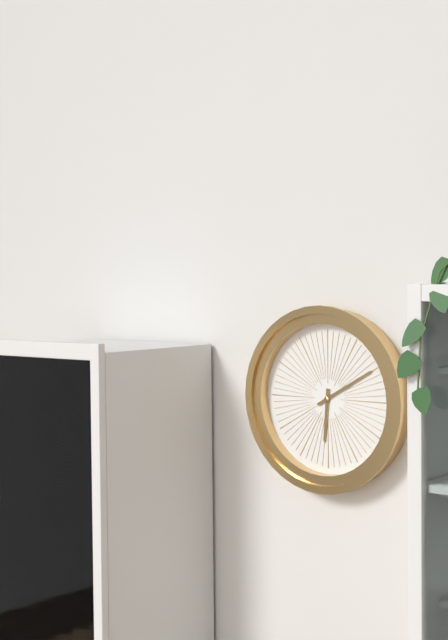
6:10
